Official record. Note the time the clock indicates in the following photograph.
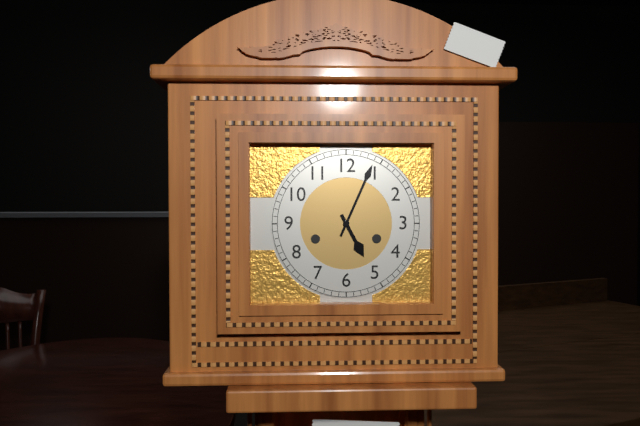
5:04
